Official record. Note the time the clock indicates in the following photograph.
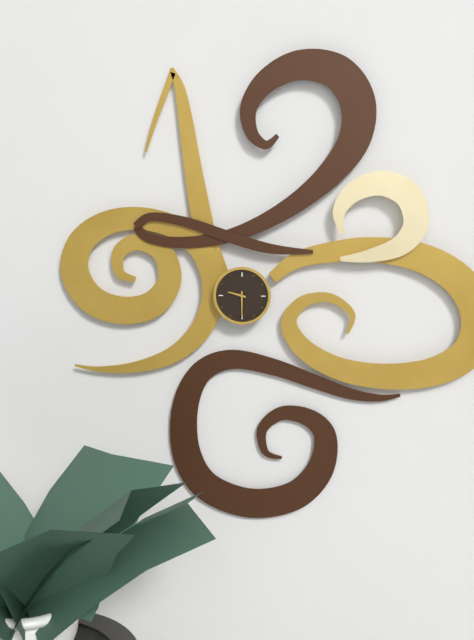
9:30
